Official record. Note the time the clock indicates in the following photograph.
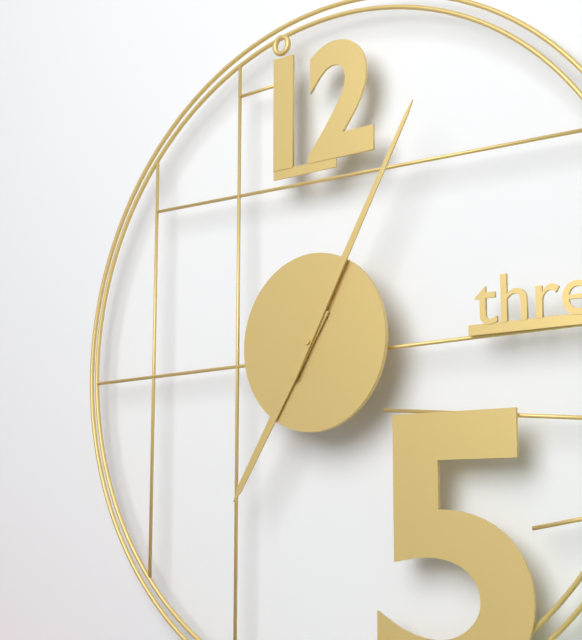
7:05
